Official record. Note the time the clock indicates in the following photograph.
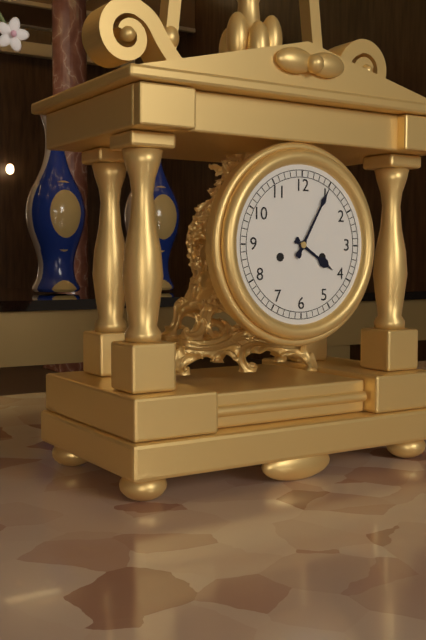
4:05
